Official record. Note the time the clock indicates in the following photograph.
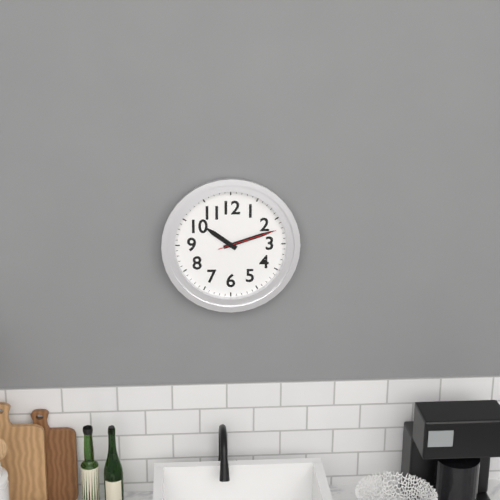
10:12:12
